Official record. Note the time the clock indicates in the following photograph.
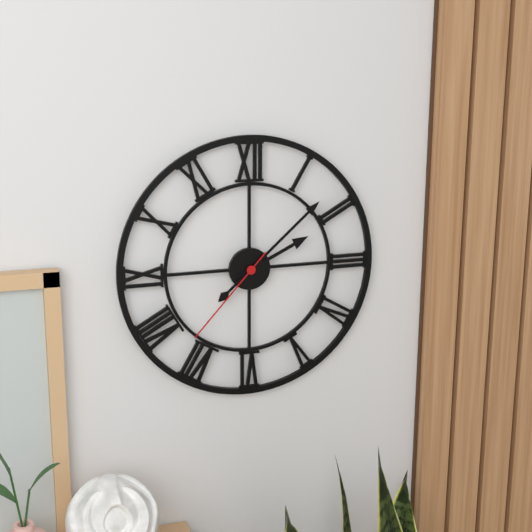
2:08:37
